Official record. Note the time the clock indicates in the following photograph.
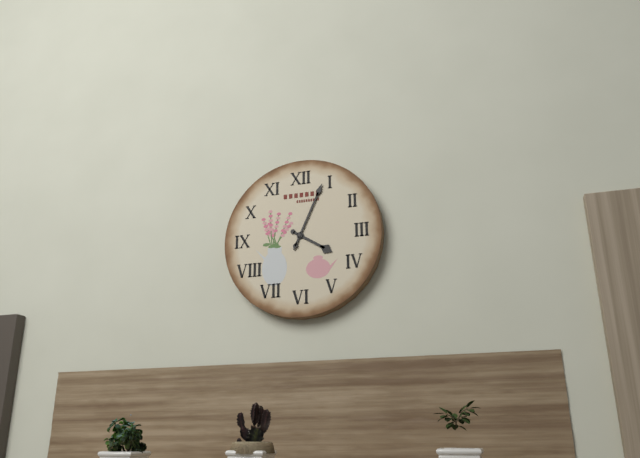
4:04
